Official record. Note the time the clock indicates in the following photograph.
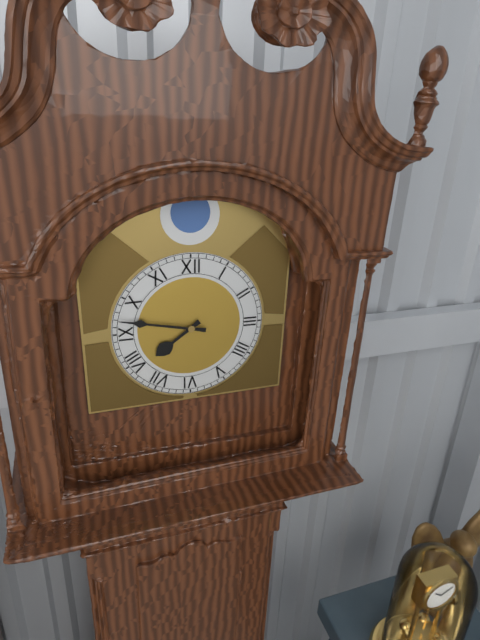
7:47
